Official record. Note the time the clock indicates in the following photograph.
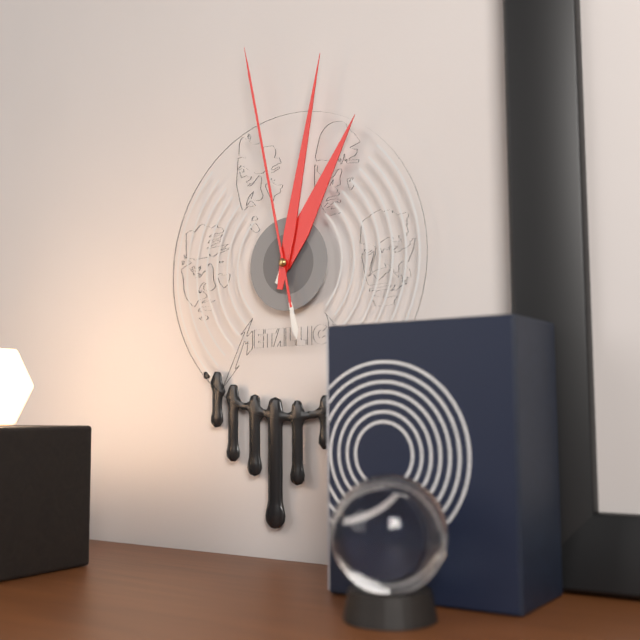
1:02:58
